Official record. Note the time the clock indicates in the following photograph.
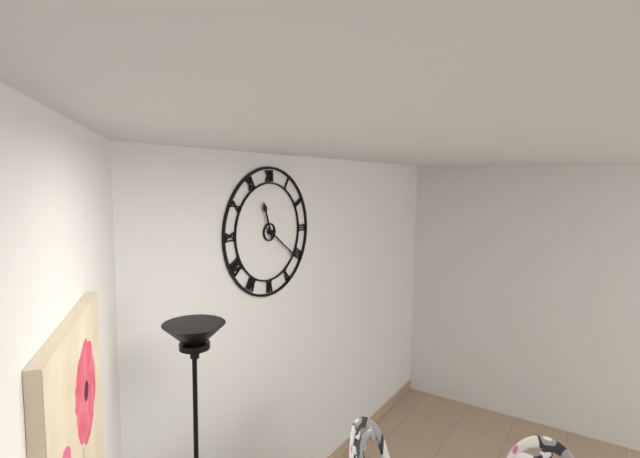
11:21
